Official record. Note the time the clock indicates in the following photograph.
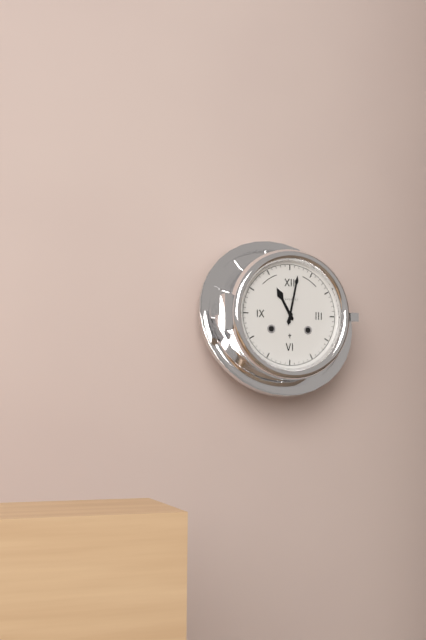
11:02
